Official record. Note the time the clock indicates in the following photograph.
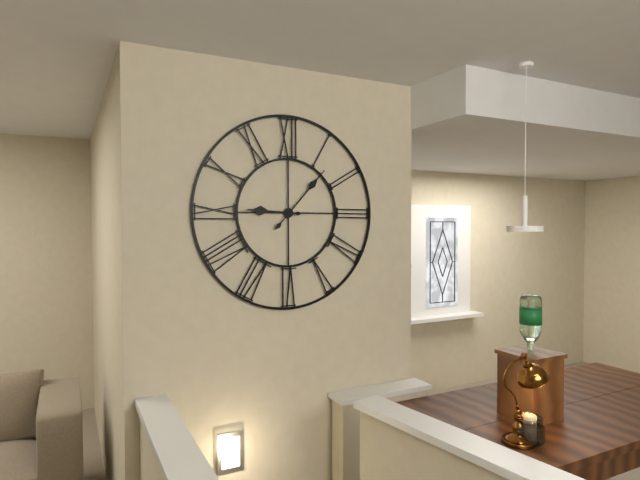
9:07
